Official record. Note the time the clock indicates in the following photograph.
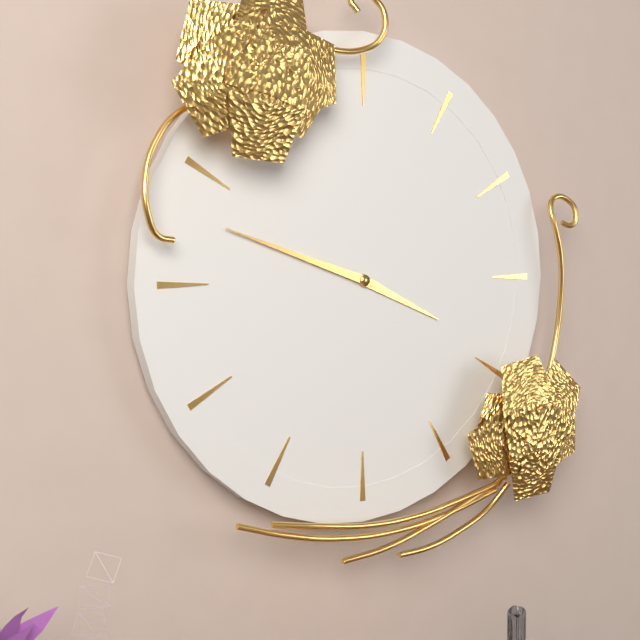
3:48
